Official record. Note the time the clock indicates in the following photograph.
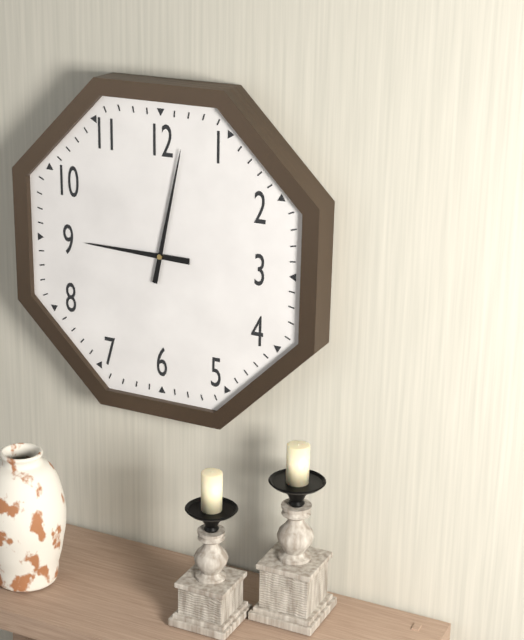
9:02
